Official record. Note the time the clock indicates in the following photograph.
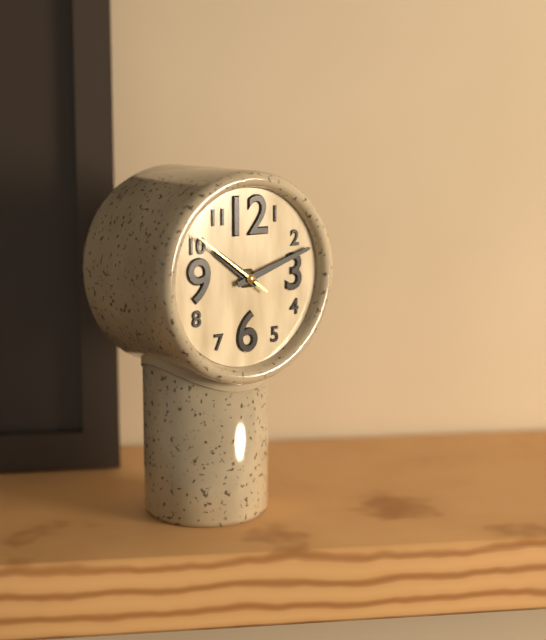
10:12:51
